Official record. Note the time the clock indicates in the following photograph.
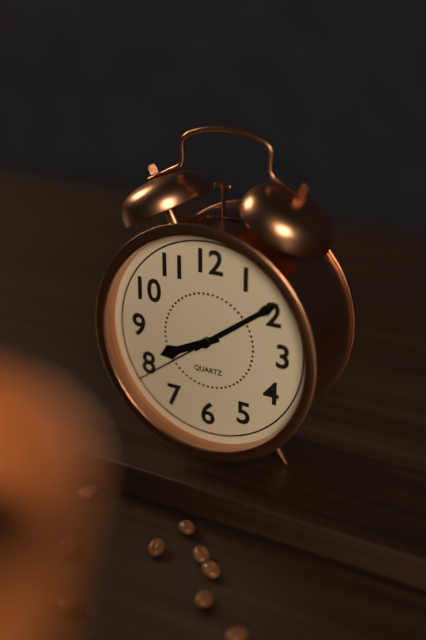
8:09:39
